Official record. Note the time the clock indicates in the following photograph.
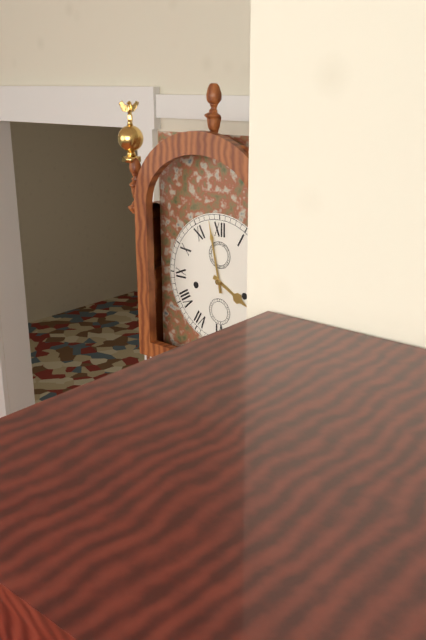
3:58
